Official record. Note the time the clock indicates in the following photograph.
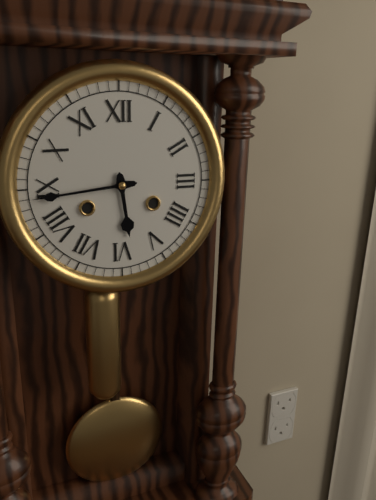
5:44
